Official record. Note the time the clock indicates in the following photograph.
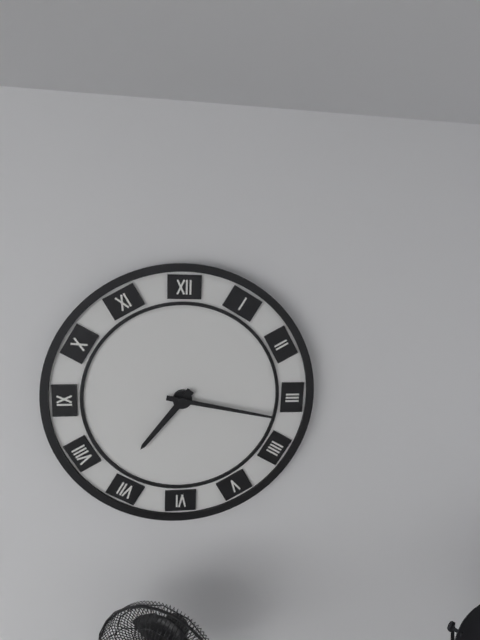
7:17
